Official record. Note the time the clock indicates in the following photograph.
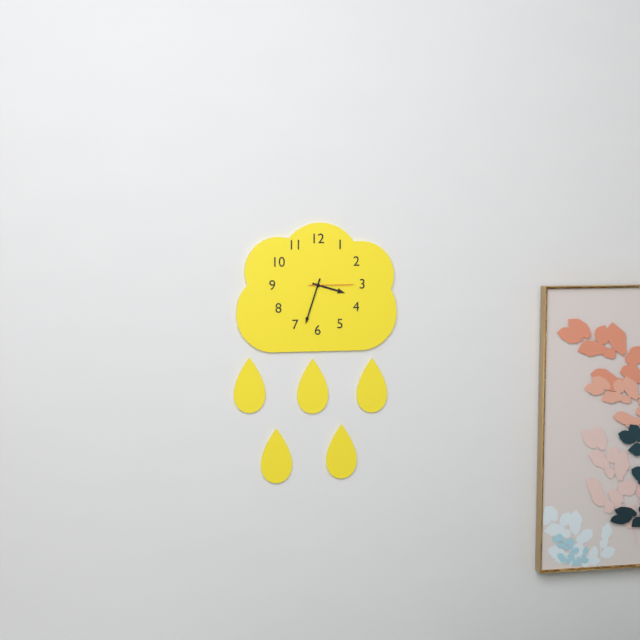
3:33
